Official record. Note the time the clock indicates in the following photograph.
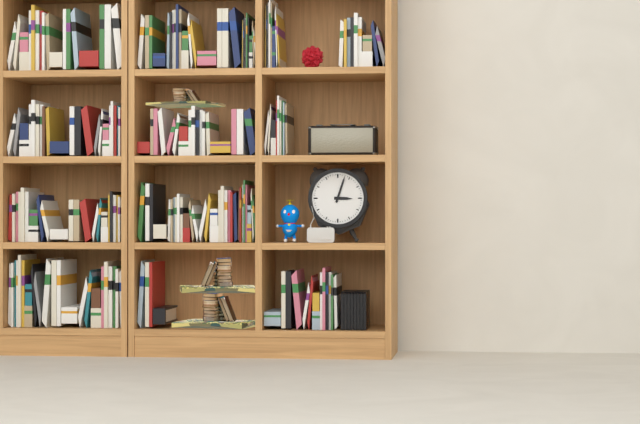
3:03
